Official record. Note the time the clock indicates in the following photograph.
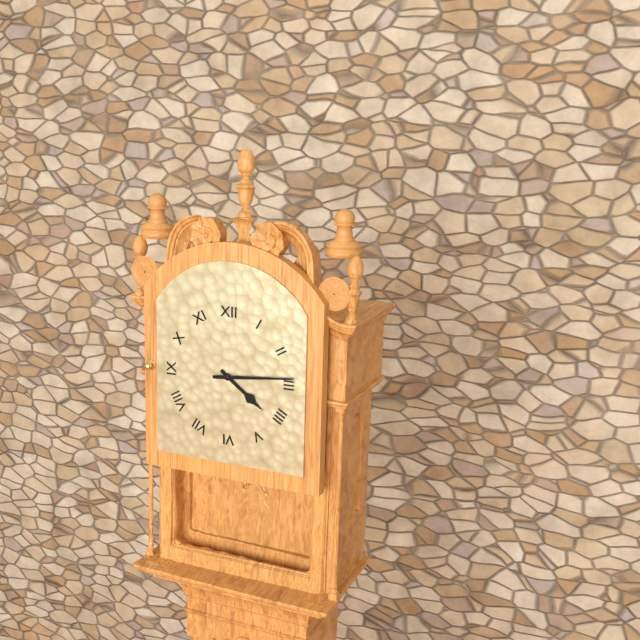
4:14
